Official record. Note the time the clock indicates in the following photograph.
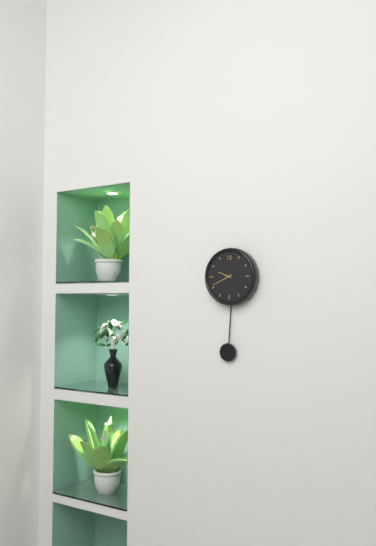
9:41
